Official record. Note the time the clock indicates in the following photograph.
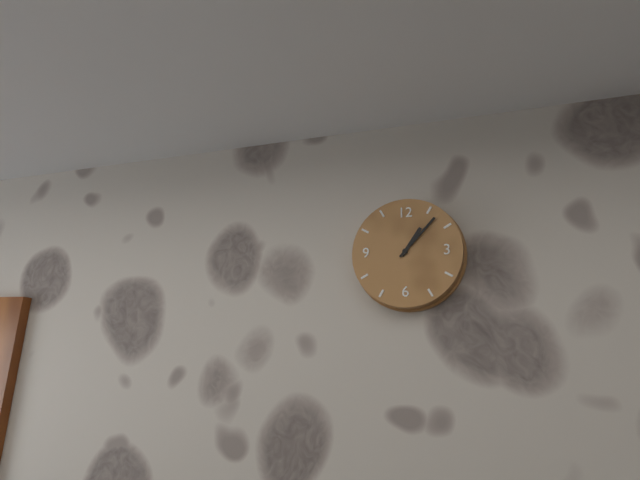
1:07
